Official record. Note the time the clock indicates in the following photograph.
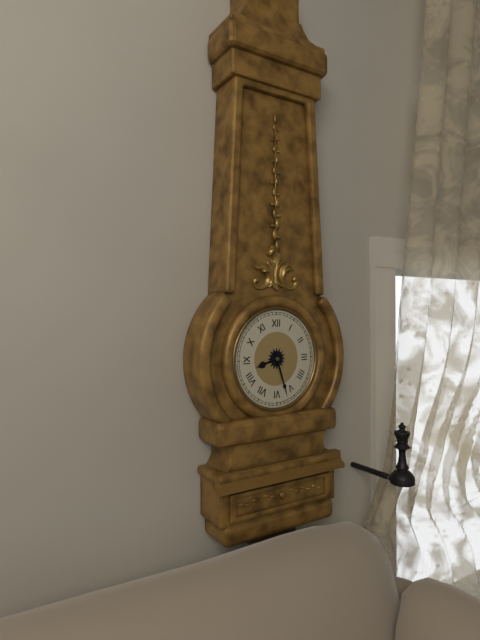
8:27
